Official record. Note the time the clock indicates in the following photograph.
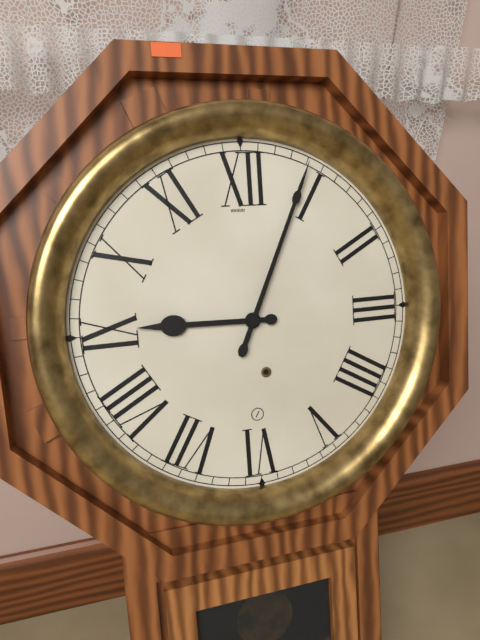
9:04
